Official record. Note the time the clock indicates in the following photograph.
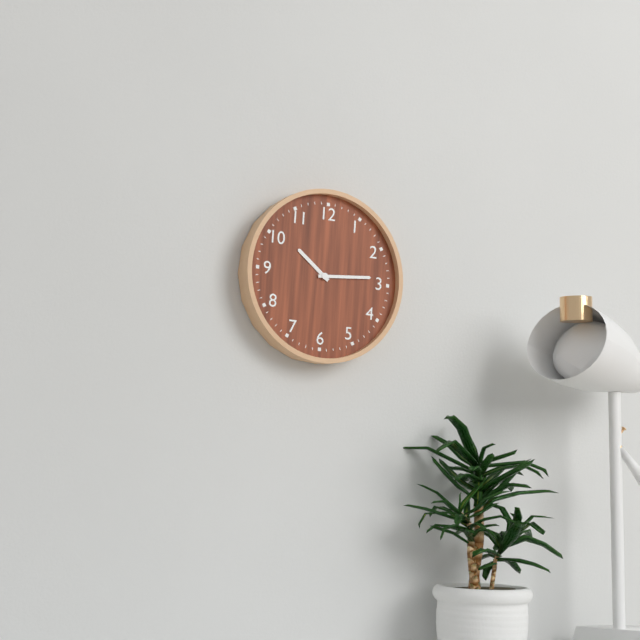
10:14
